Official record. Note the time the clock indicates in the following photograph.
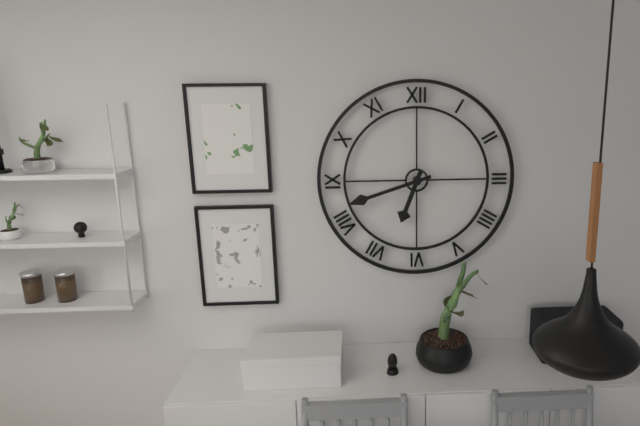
6:42
